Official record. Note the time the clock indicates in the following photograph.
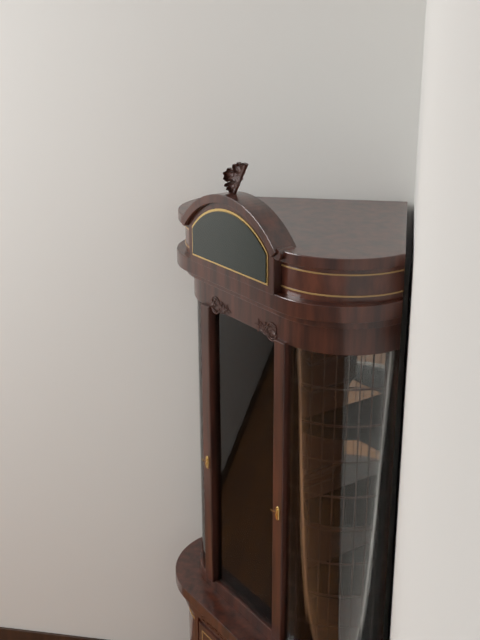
4:21
